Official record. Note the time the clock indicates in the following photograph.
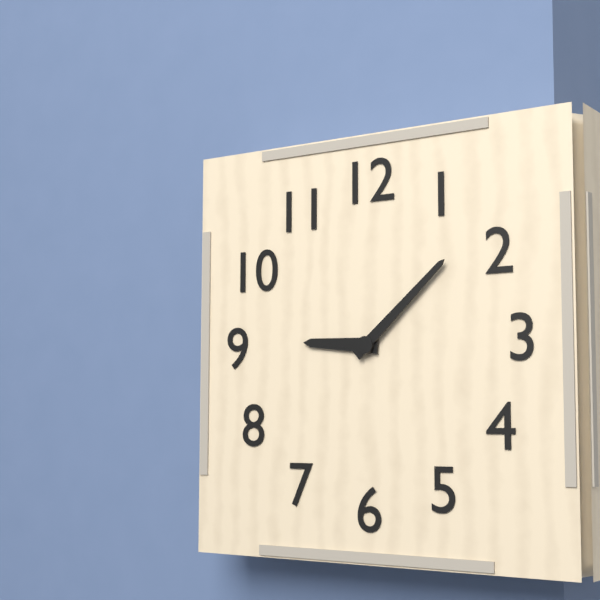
9:08
